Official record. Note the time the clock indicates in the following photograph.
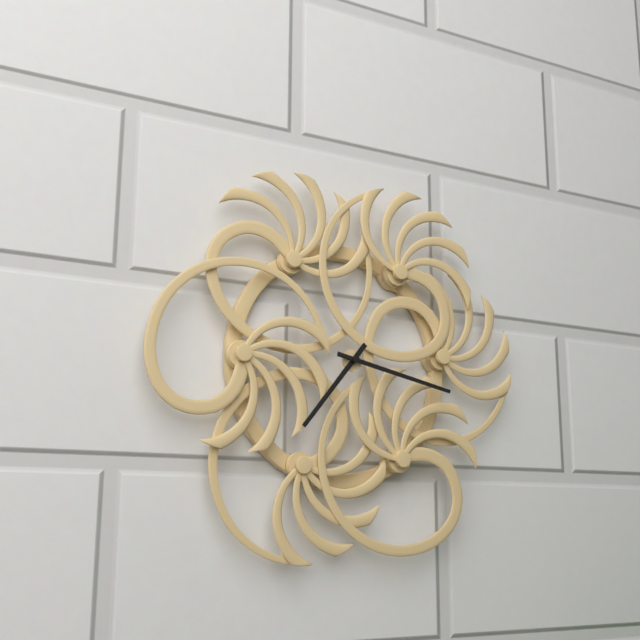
7:17
